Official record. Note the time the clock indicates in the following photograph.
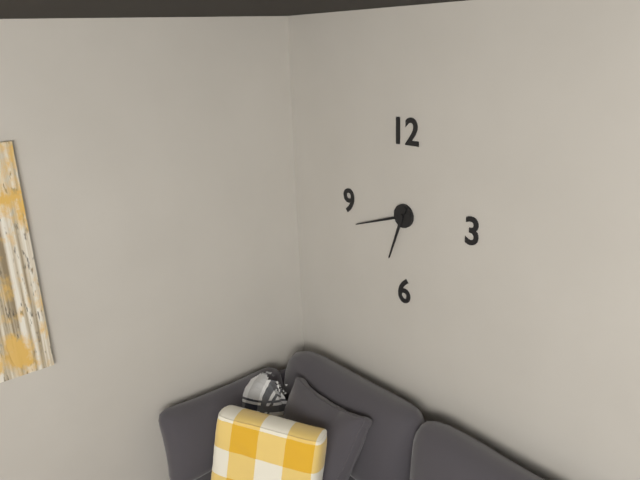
6:42
